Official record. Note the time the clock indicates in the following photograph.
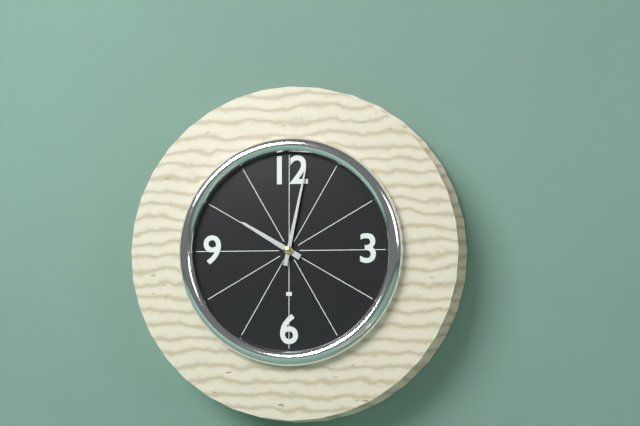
10:02
